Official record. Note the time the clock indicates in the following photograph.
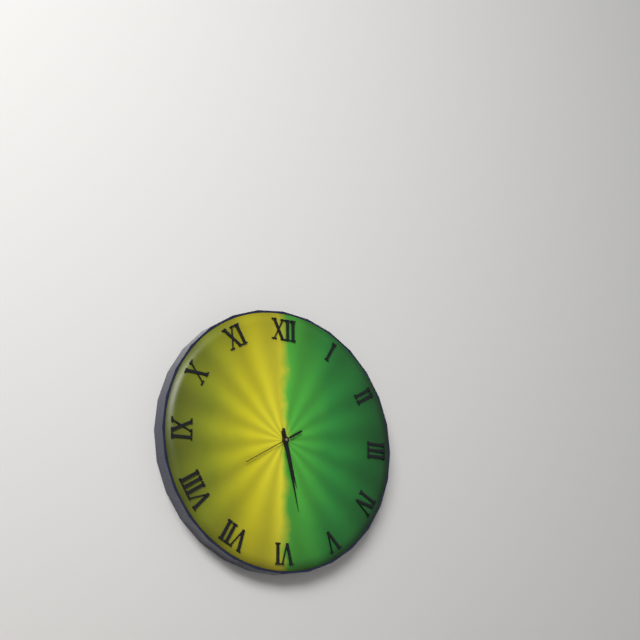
5:28:40
